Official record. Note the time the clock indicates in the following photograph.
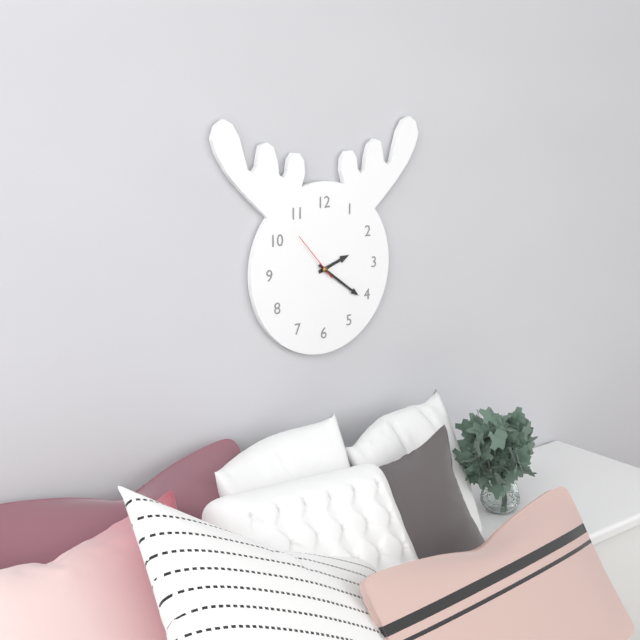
2:21:53
